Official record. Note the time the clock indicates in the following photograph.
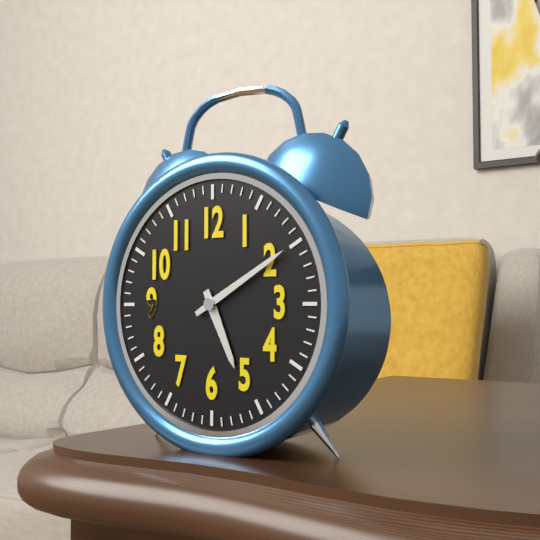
5:10
